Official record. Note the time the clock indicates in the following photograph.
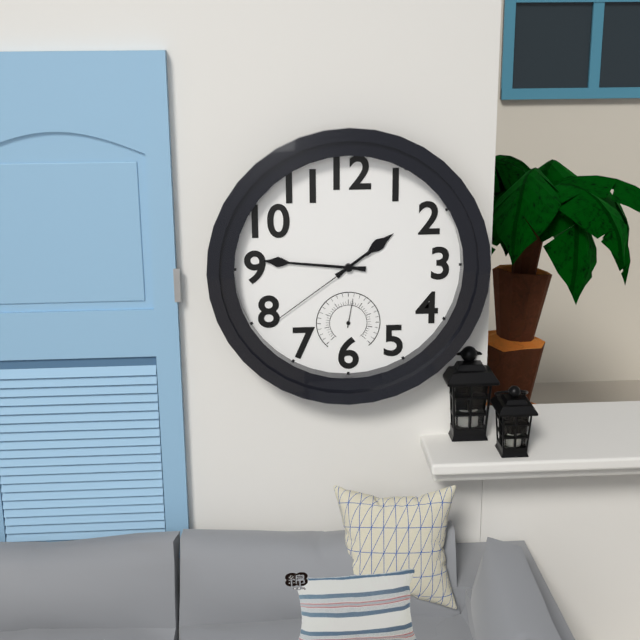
1:46:39
